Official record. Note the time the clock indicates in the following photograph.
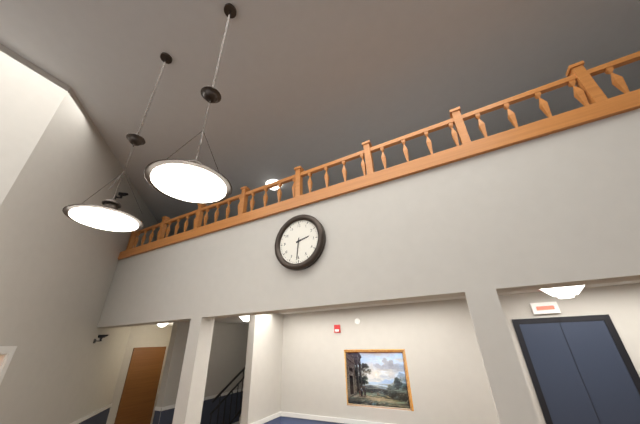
2:31
